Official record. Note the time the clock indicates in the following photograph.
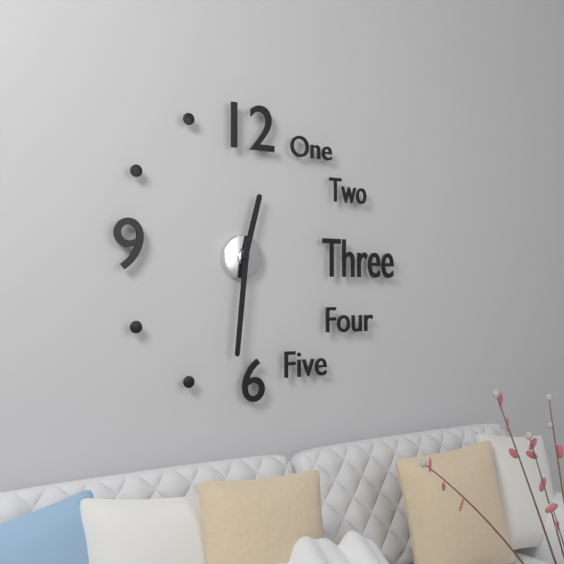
12:31
